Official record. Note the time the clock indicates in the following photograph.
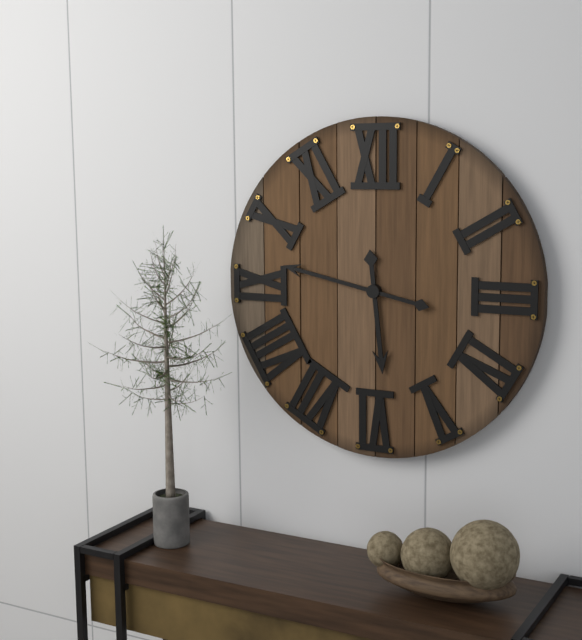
5:47
